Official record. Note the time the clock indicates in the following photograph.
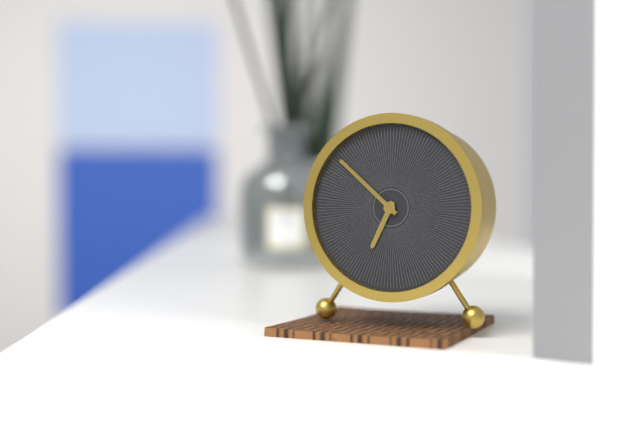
6:52
